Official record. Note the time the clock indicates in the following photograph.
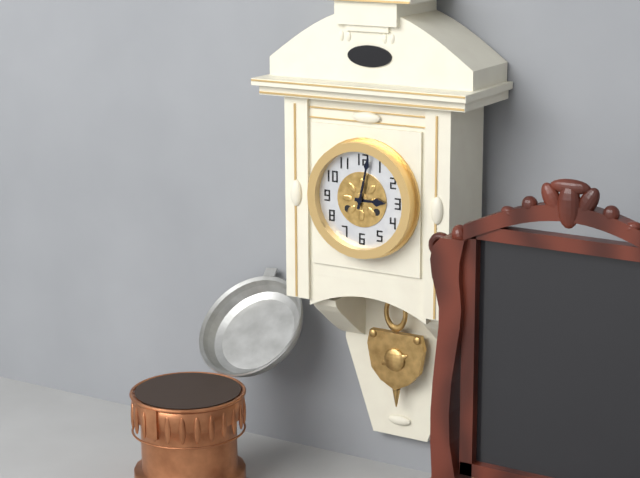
3:02
